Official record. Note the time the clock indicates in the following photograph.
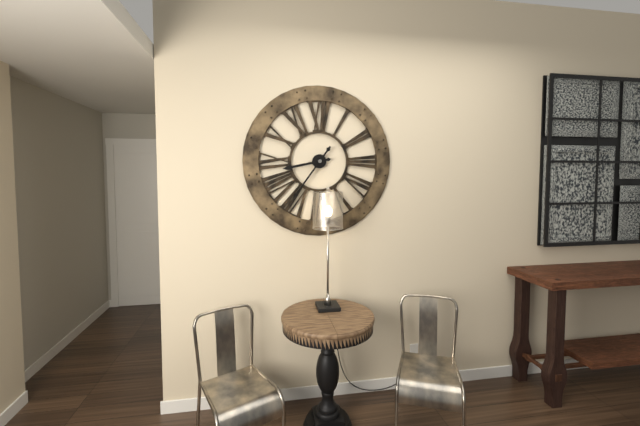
8:36
